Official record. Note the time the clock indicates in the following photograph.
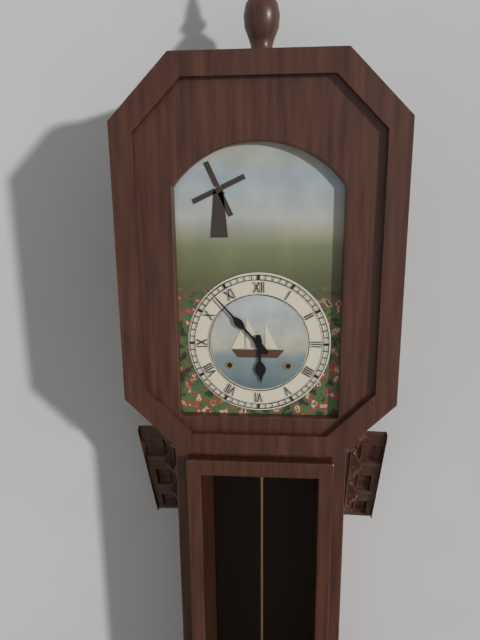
5:53
